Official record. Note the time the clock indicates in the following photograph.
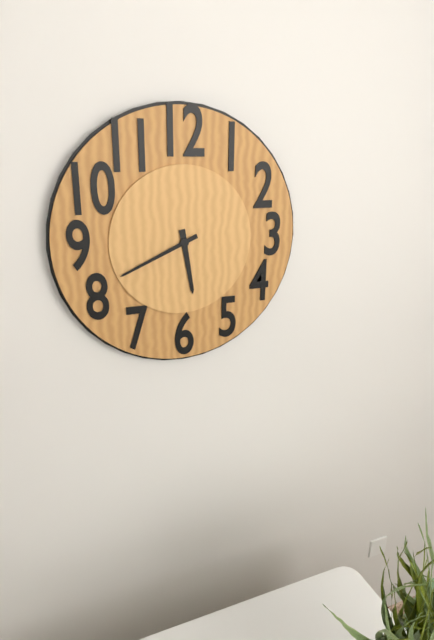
5:41
